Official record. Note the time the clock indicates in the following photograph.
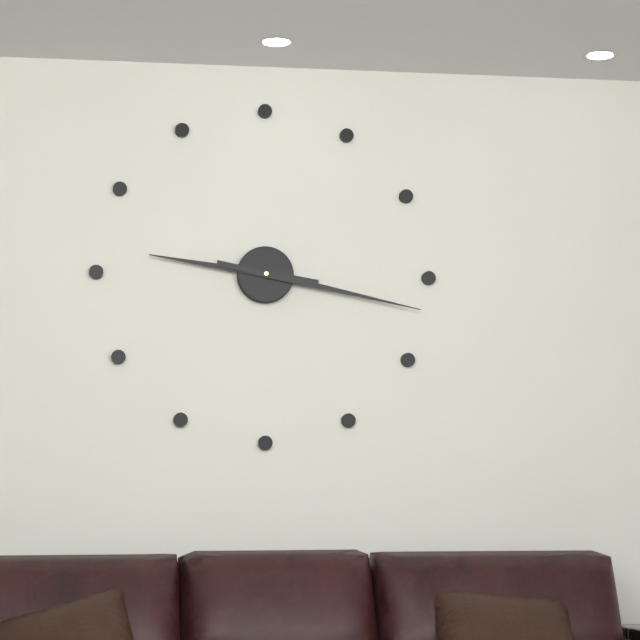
9:17
